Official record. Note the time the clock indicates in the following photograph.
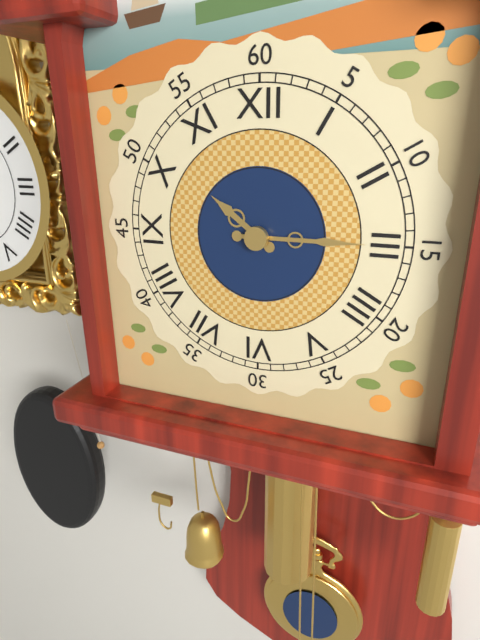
10:15
